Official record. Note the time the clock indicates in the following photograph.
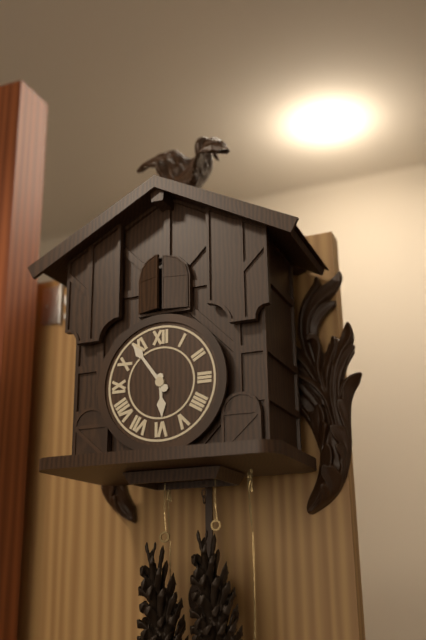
5:54
